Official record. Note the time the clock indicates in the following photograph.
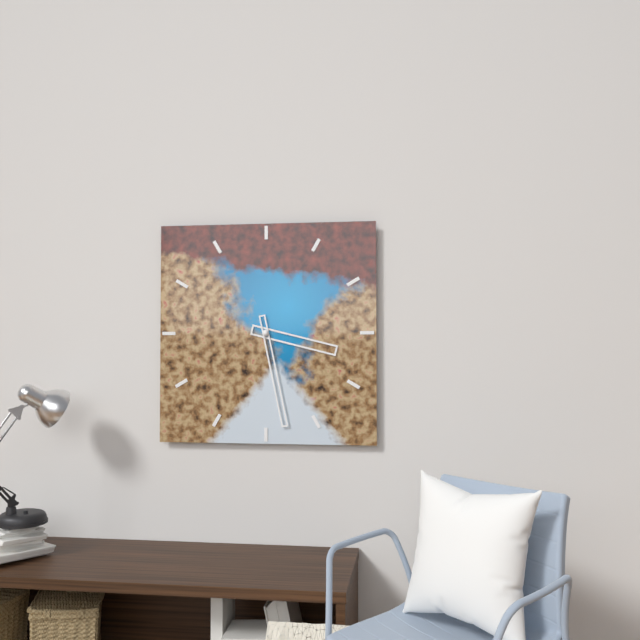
3:28
